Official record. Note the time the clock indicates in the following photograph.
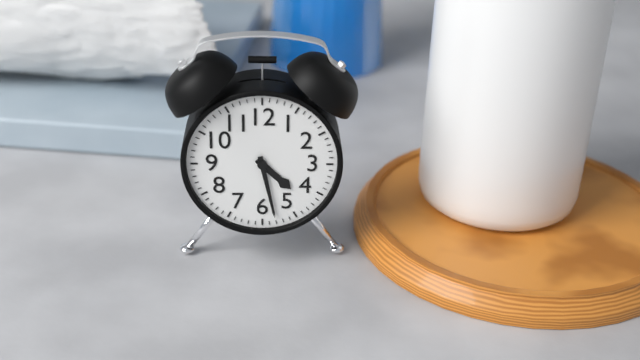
4:28
